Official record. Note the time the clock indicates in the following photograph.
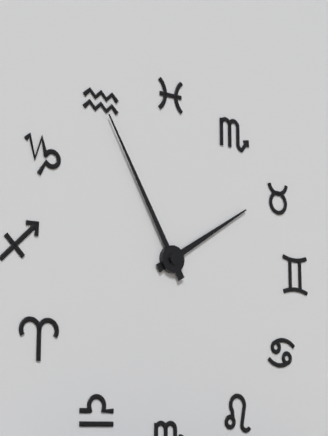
1:55
